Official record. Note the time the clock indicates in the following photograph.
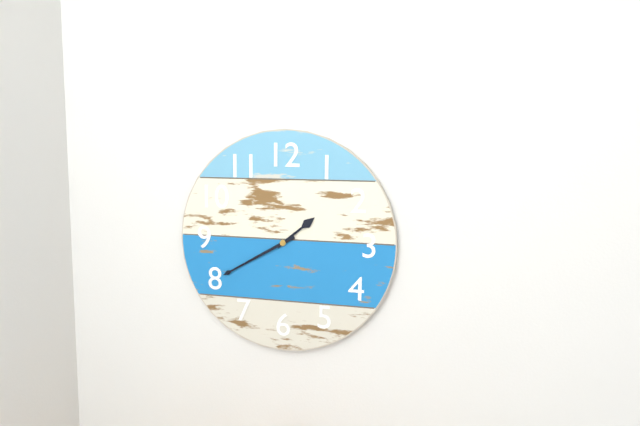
1:40
